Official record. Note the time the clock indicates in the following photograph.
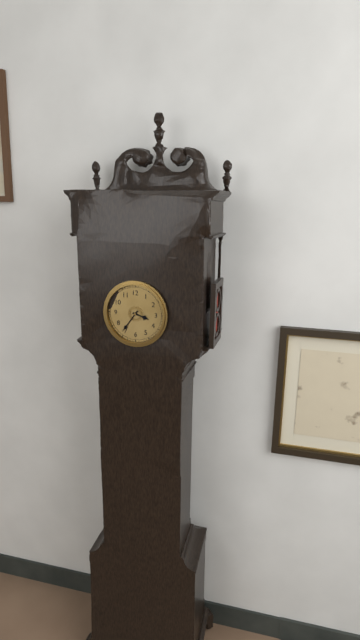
3:36
